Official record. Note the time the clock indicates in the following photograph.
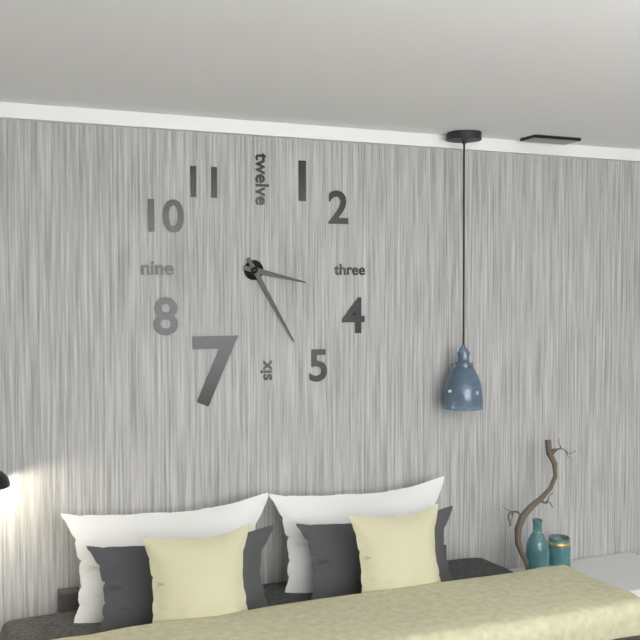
3:25
